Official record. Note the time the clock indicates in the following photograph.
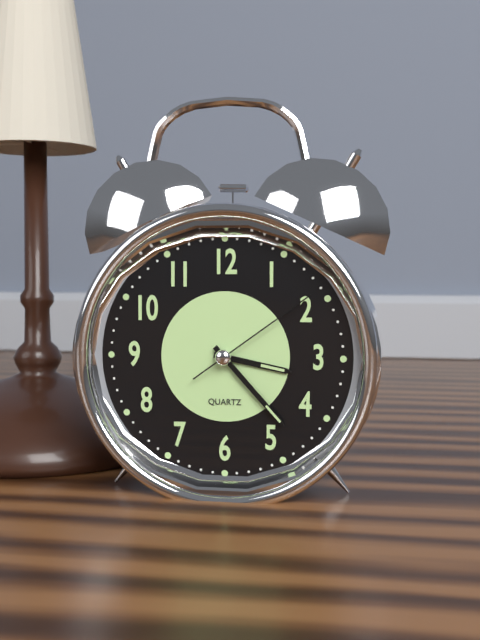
3:23:09
